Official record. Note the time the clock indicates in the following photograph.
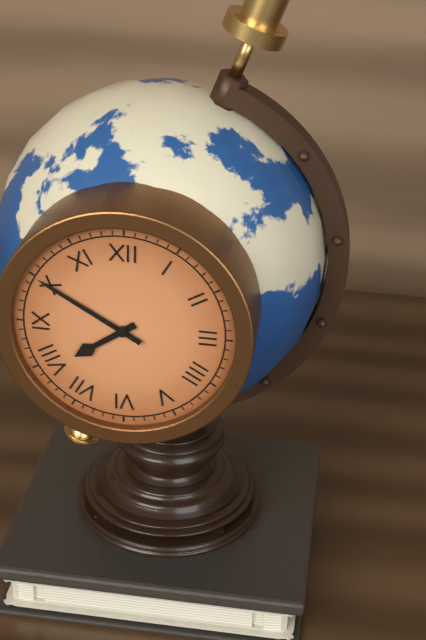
7:50
